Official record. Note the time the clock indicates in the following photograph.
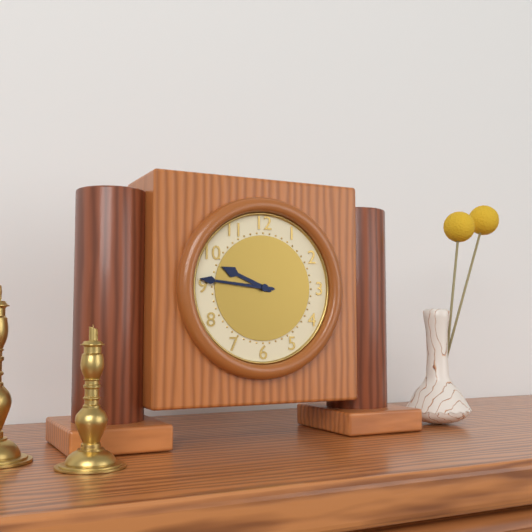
9:46
